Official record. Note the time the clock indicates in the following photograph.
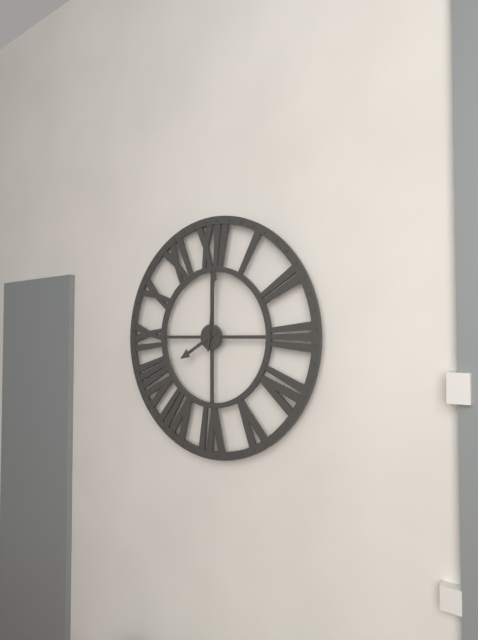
8:01
